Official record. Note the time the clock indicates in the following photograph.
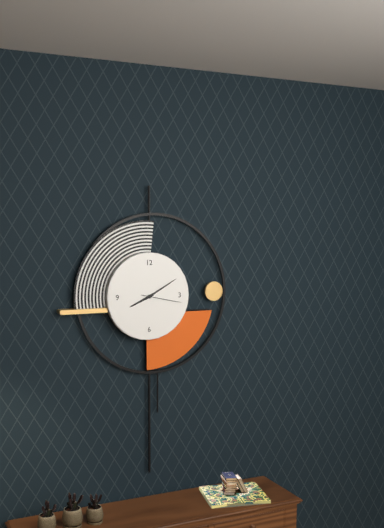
8:10
